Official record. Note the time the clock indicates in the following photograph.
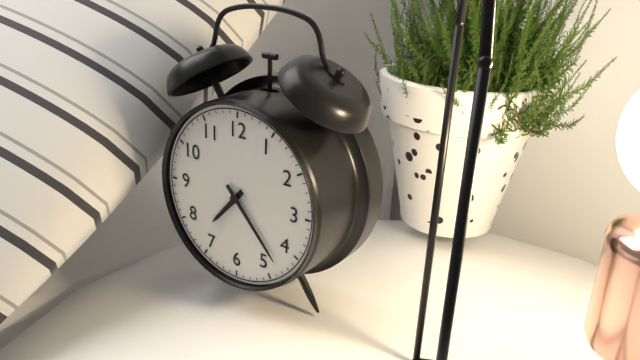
7:23
